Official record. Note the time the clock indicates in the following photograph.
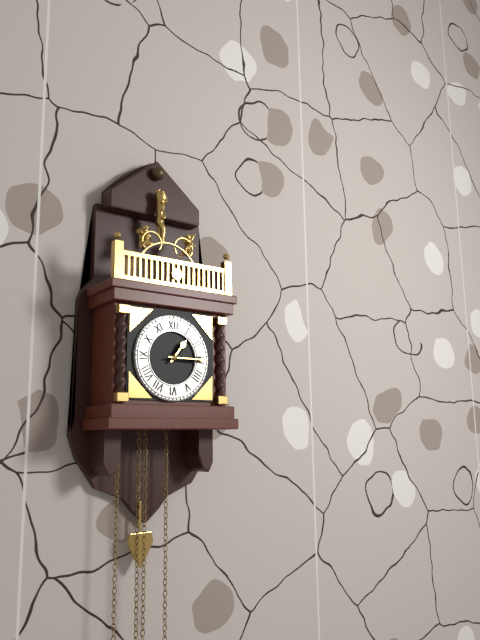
1:15
